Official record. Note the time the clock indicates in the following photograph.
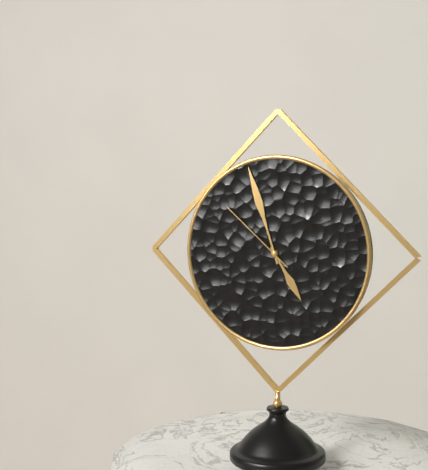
4:57:52
